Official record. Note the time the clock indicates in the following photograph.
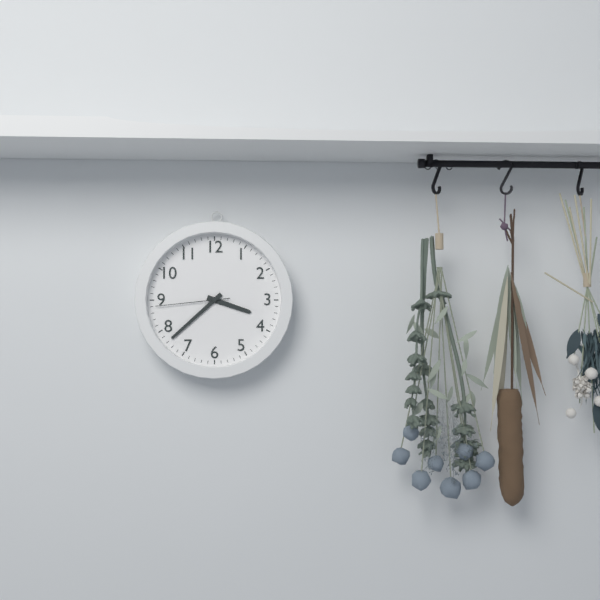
3:38:44
